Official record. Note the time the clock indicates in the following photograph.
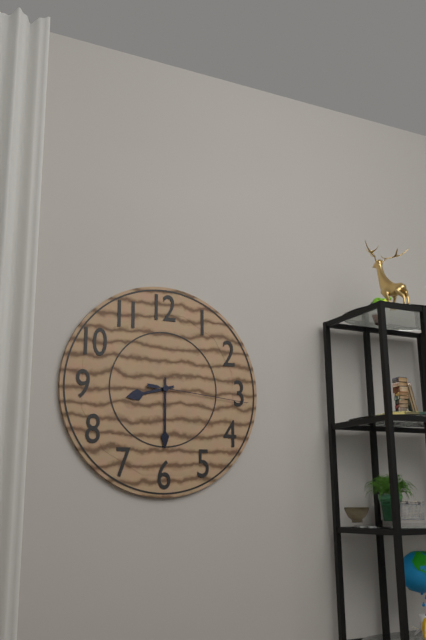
8:30:16
